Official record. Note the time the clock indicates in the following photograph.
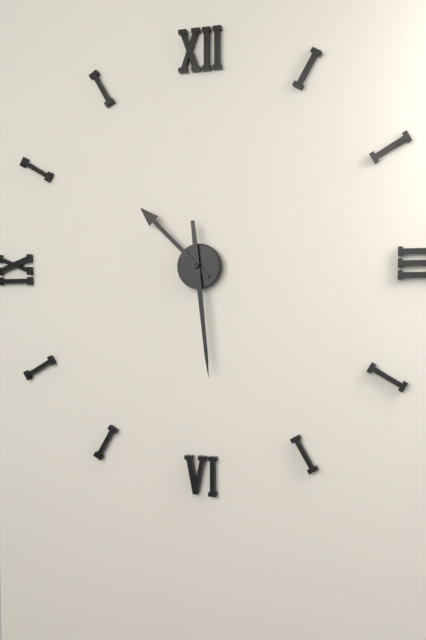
10:29
